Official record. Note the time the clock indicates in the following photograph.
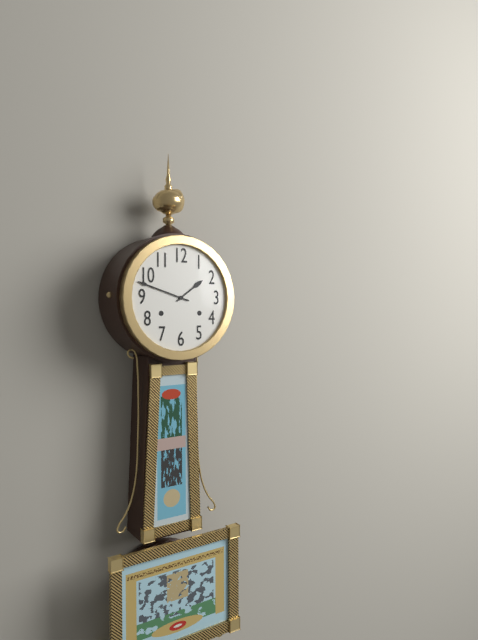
1:48
